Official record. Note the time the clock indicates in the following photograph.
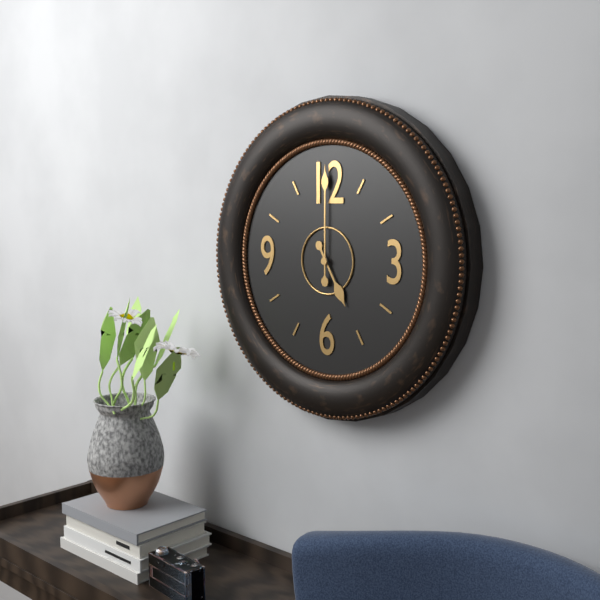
5:00
